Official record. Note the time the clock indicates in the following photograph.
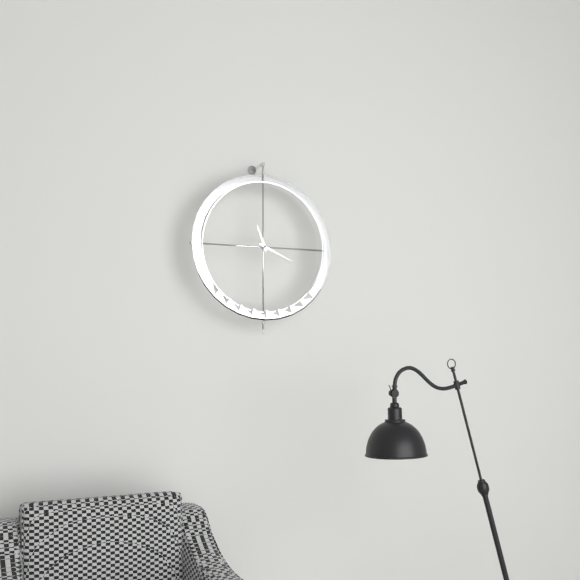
11:19
